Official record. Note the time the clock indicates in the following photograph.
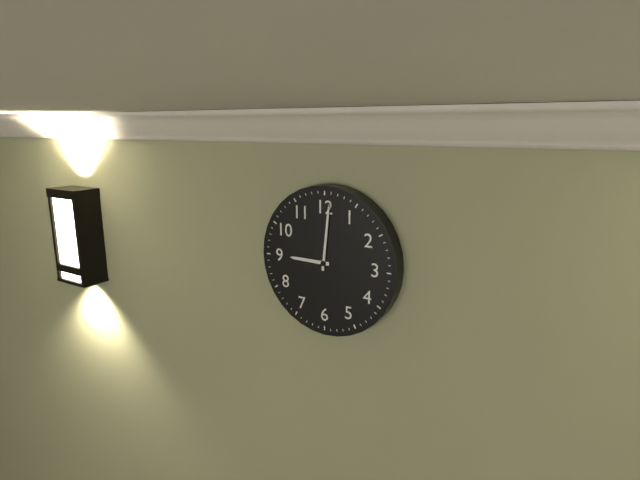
9:01
